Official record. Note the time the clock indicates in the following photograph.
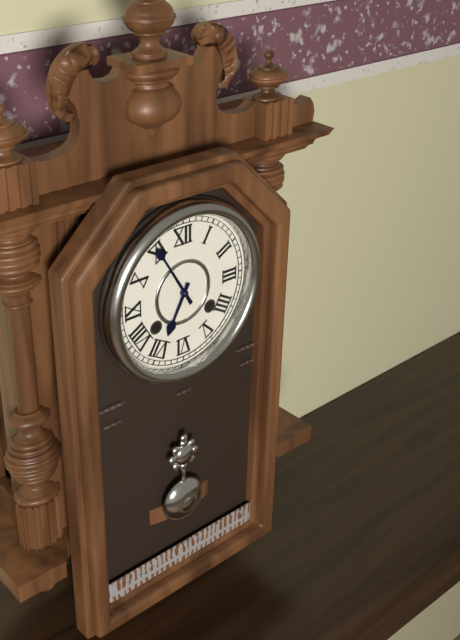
6:55
